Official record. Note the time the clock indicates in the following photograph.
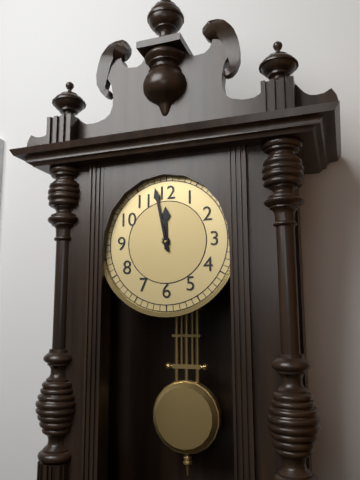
11:58
